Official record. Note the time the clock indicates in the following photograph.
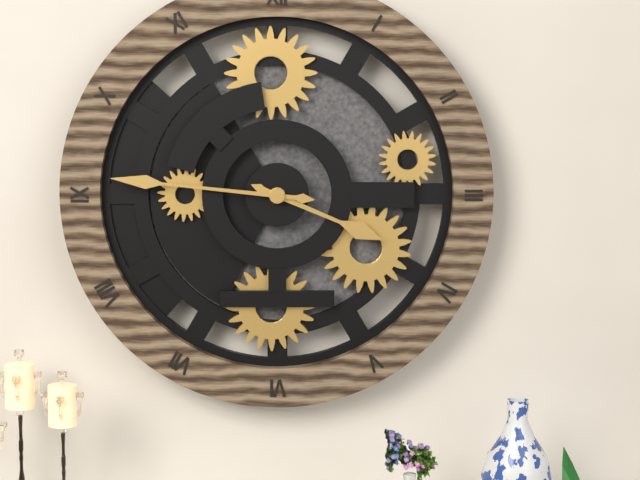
3:46
